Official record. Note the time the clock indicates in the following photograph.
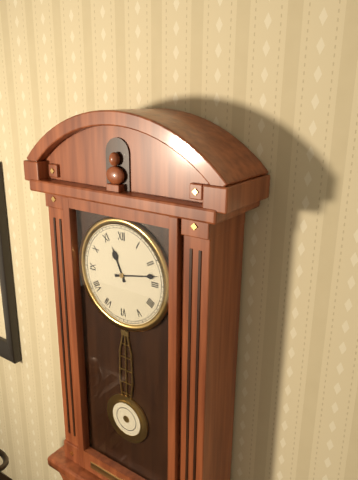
11:13
